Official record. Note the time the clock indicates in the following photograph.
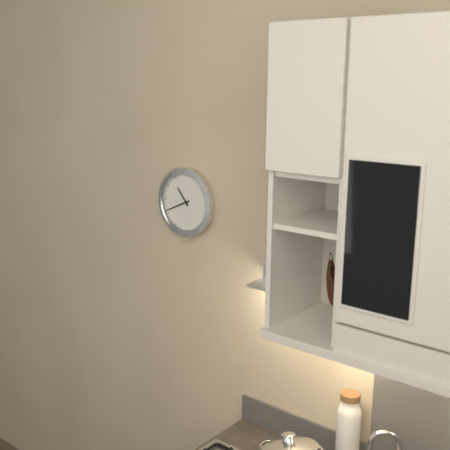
10:41
